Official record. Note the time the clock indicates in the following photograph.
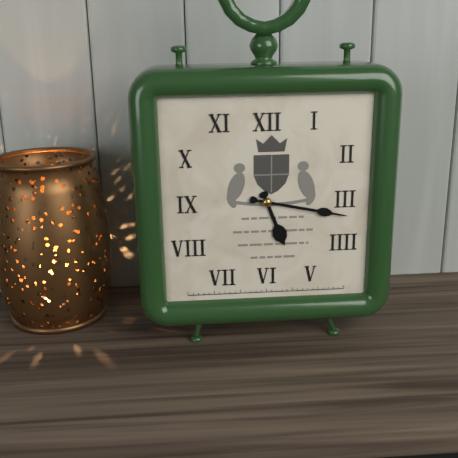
5:17
